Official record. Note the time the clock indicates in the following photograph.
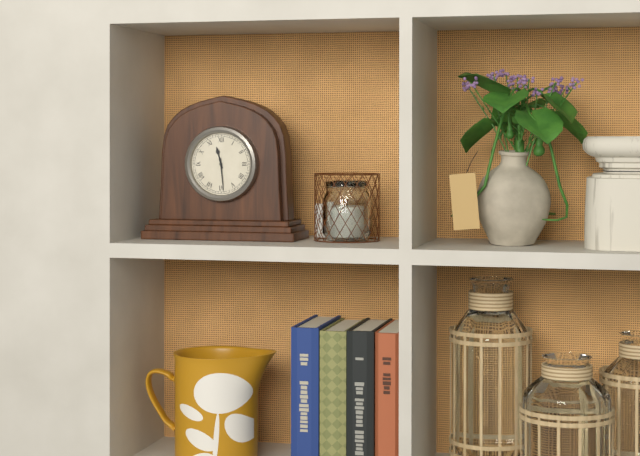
11:29
